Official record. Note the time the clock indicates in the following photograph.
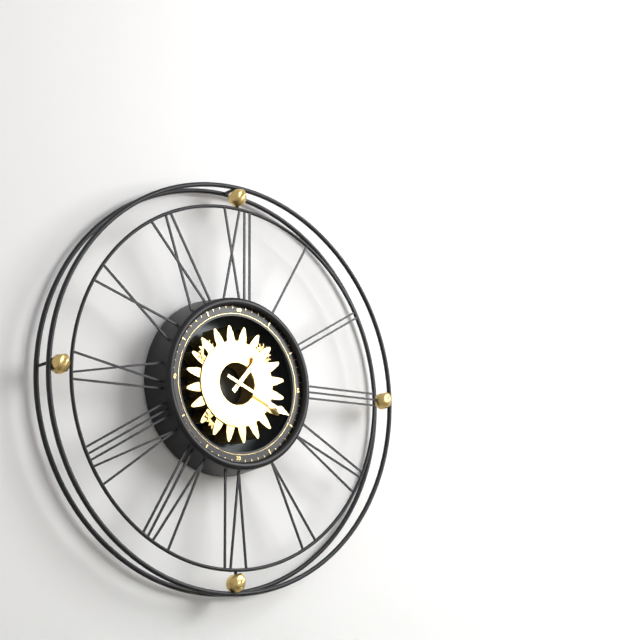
1:19
